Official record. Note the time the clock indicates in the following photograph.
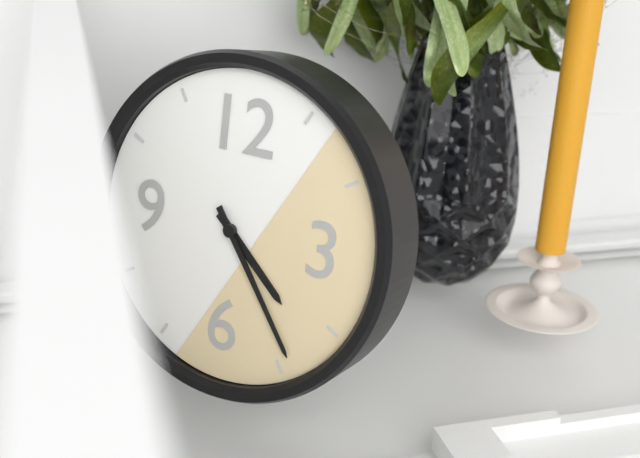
4:24
